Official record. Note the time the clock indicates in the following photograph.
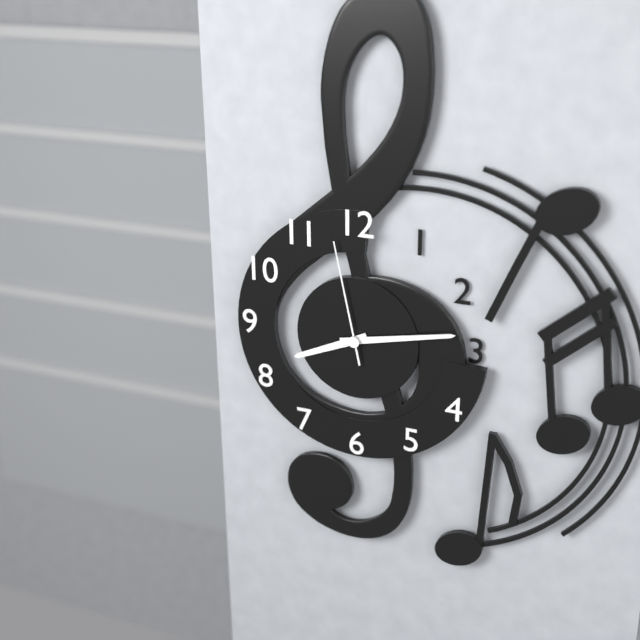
8:13:58
